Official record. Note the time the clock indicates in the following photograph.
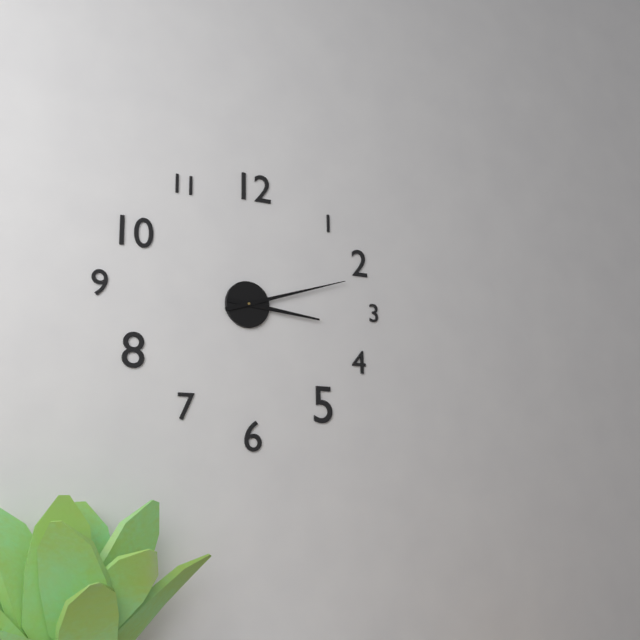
3:12
